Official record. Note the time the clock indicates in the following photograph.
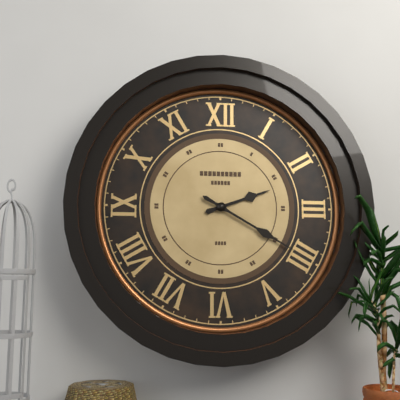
2:20
